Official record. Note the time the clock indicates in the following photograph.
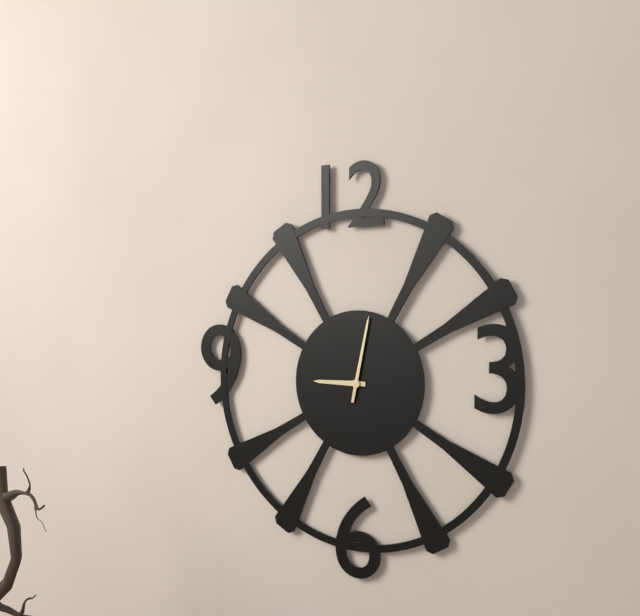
9:02
